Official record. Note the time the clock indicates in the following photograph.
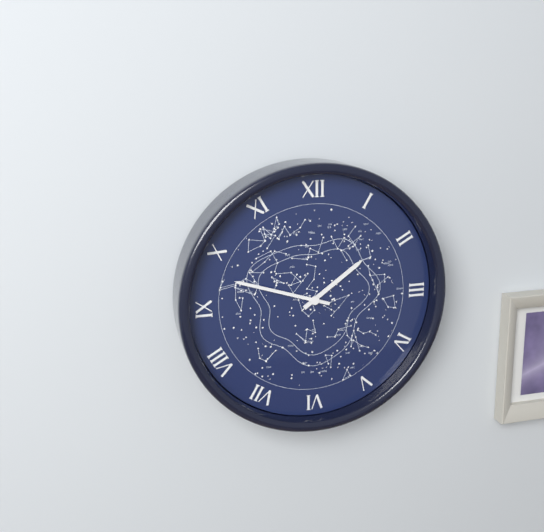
1:48
